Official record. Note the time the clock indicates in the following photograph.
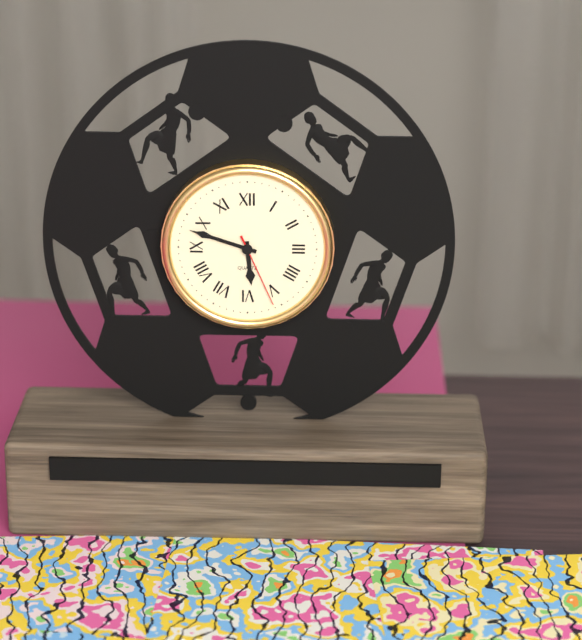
5:48:26
